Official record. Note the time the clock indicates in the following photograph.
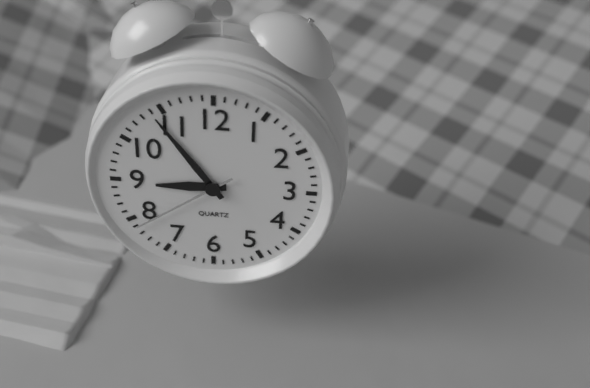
8:54:39
